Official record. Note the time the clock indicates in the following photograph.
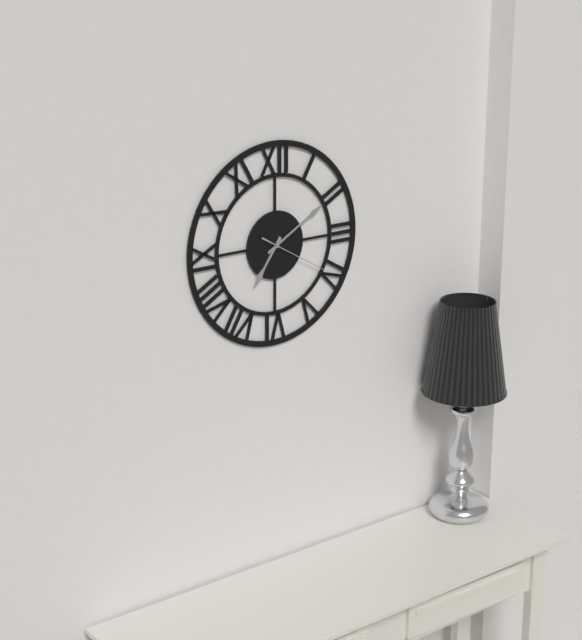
7:10:20
